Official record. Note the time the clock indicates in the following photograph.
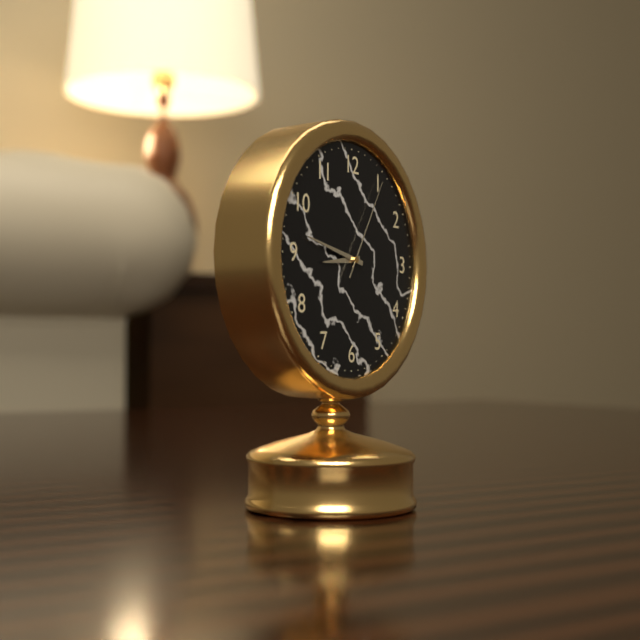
8:47:05
